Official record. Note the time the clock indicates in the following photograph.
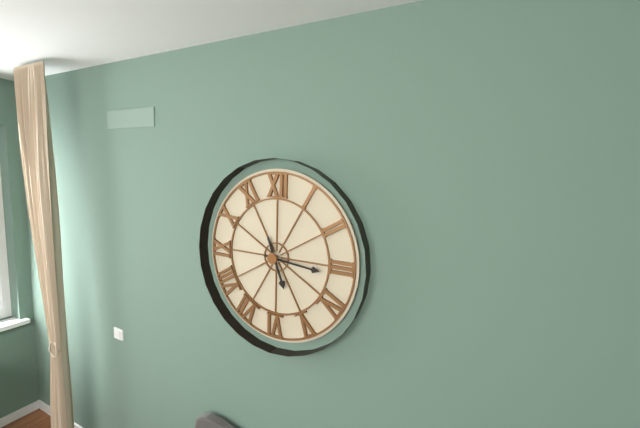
5:16
